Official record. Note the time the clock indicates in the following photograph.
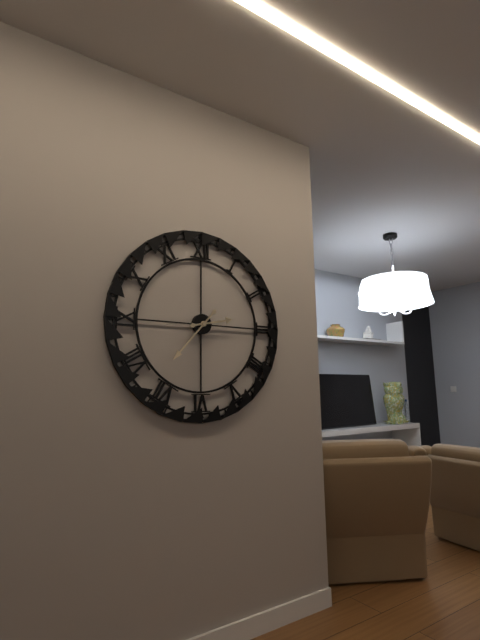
2:37
